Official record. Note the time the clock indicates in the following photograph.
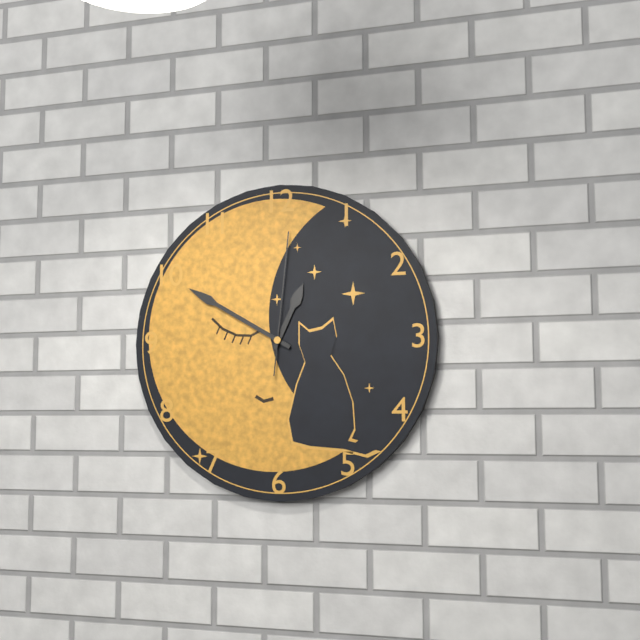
12:50:01
